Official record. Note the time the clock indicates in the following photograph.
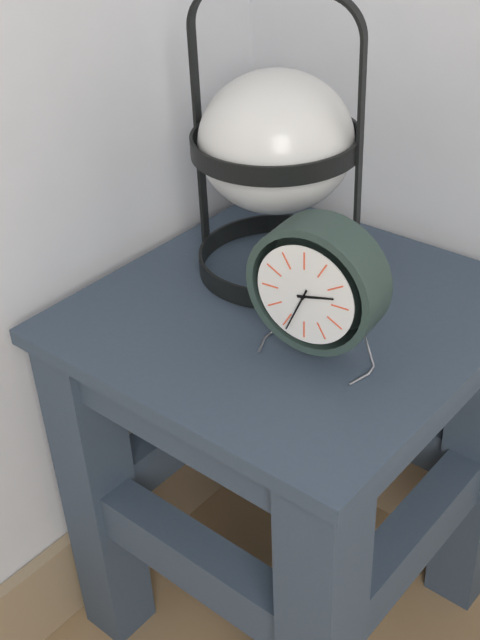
2:34
